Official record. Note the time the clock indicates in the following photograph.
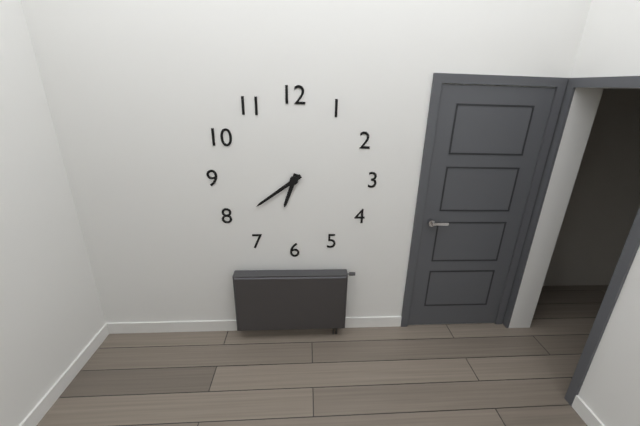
6:39
